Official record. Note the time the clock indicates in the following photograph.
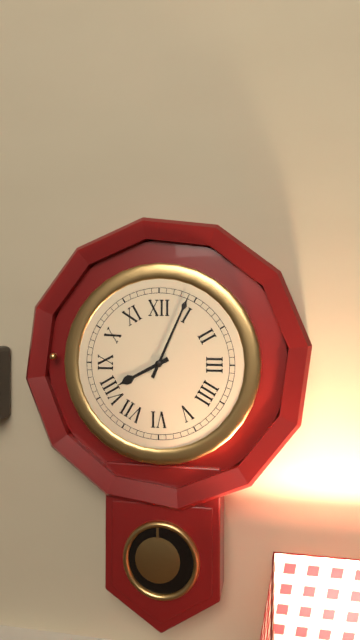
8:04
